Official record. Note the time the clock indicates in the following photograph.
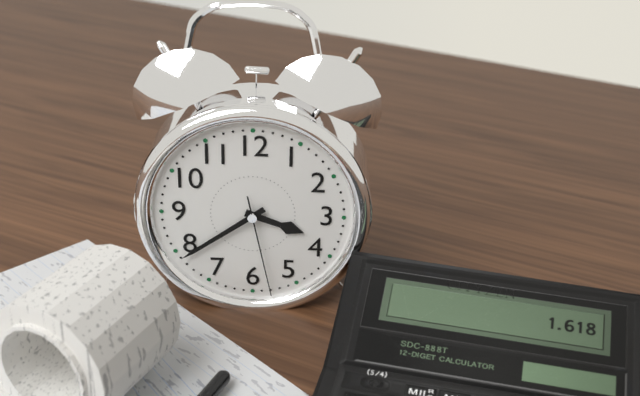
3:39:28
